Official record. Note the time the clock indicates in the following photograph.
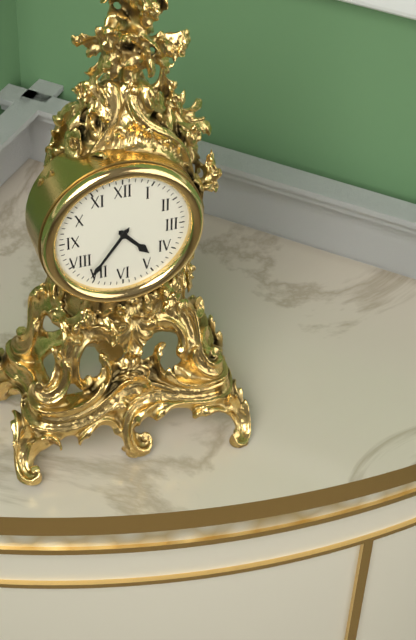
4:36
